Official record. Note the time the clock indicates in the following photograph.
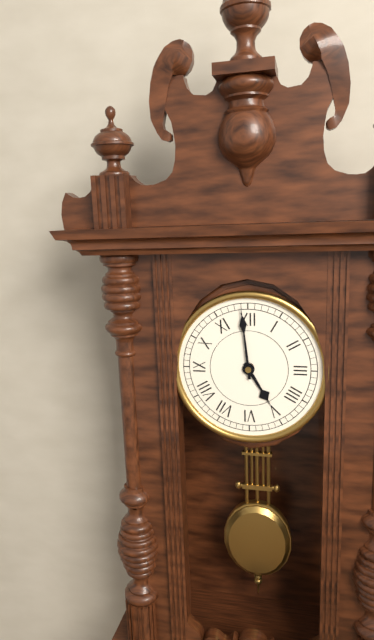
4:59
